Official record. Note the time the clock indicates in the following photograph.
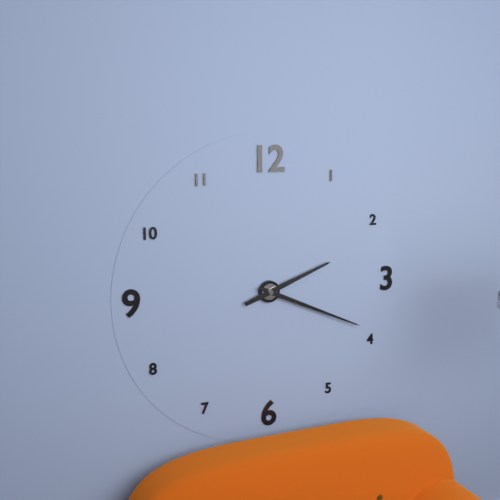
2:19
